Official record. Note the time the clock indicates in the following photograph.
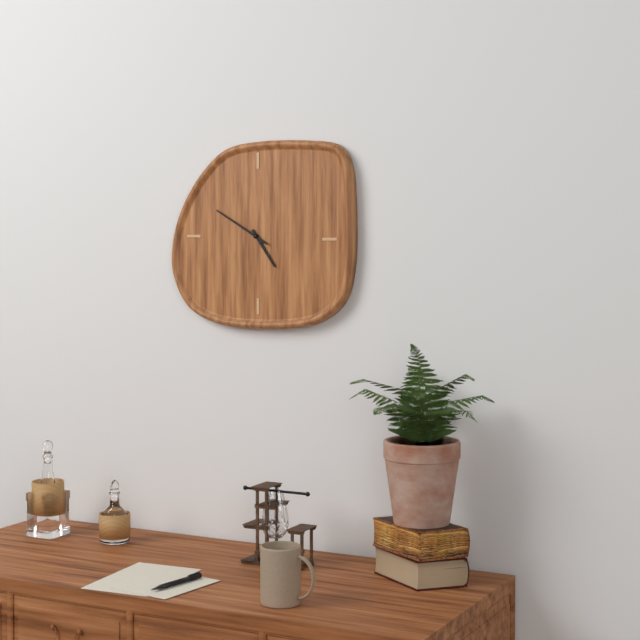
4:50
